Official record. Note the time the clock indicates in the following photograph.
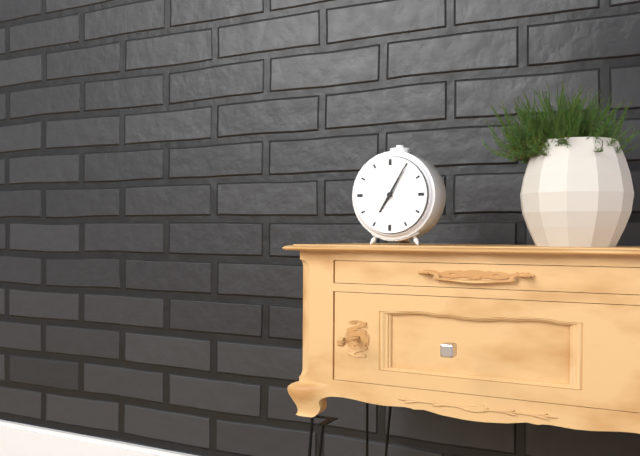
7:05
